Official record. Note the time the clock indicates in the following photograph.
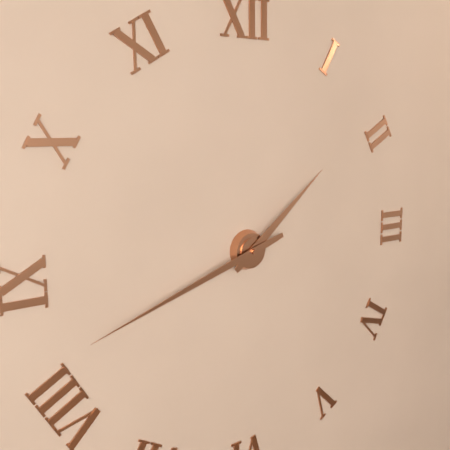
1:42
